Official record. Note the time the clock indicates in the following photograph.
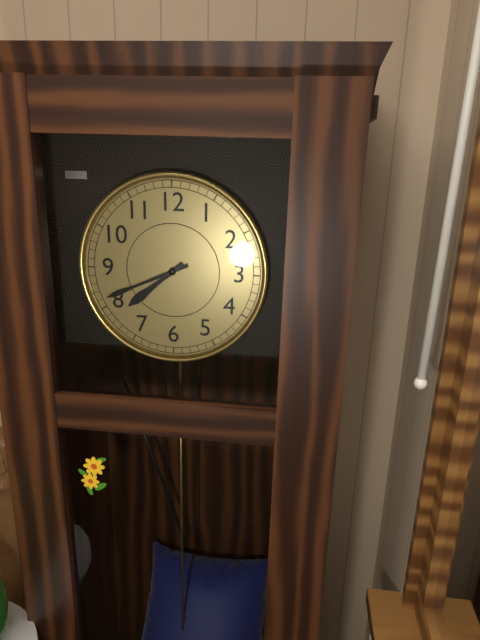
7:41
